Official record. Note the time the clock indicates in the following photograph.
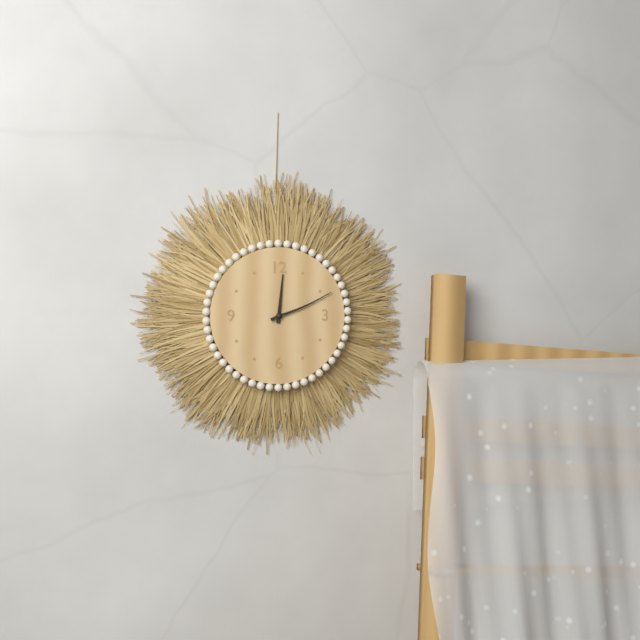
12:11
